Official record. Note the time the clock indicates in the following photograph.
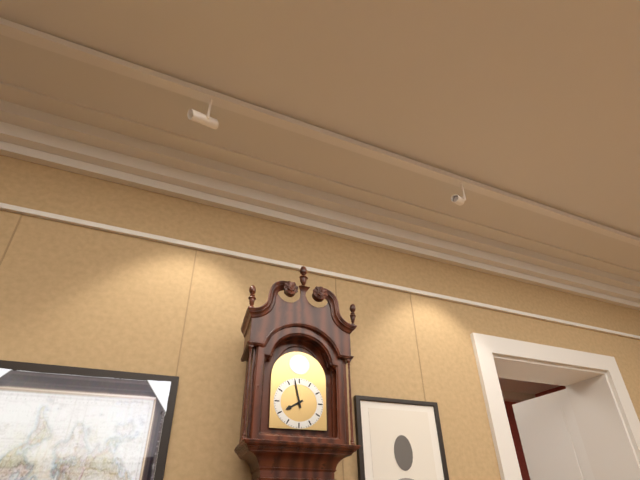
7:58
